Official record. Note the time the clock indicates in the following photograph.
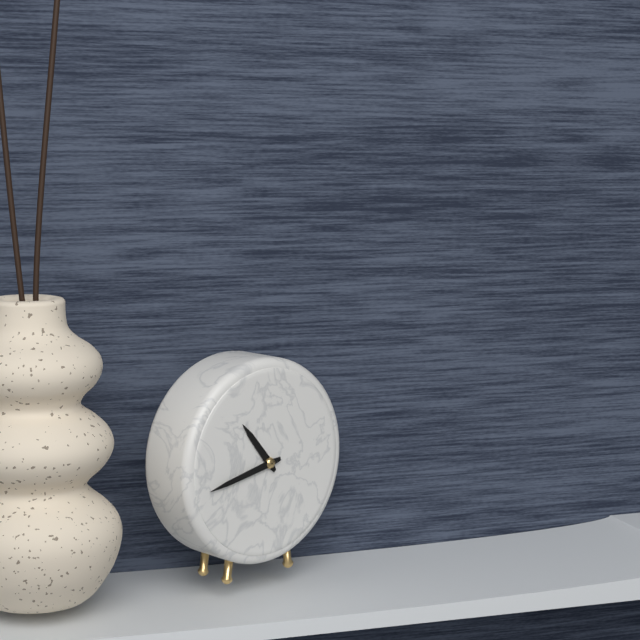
10:43
